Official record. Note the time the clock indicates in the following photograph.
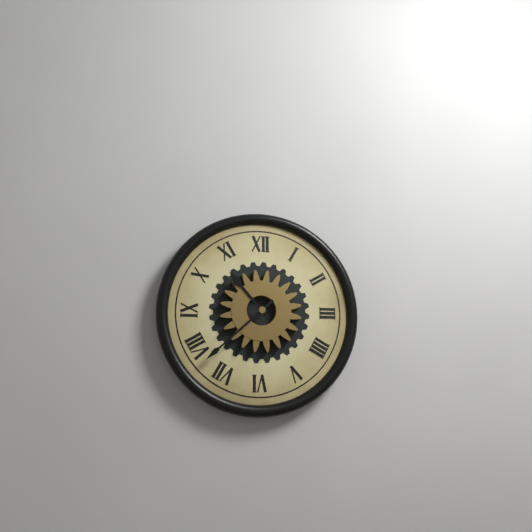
10:38
